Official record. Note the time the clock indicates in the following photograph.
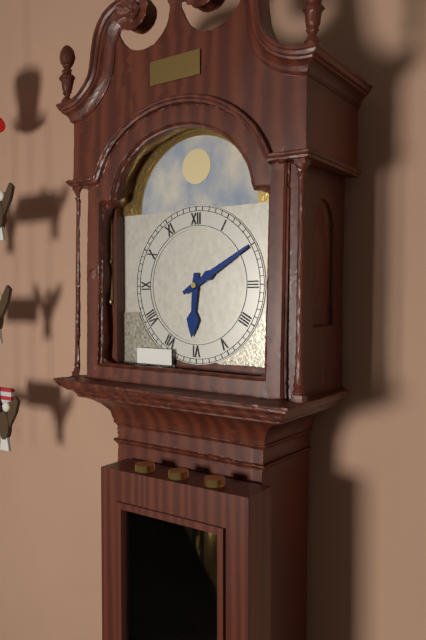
6:10
